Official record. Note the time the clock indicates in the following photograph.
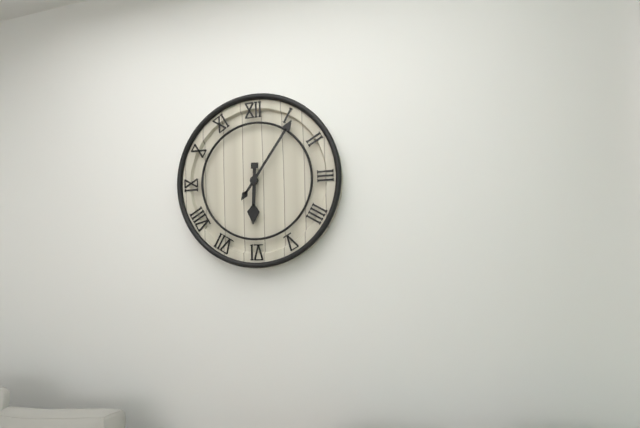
6:06
